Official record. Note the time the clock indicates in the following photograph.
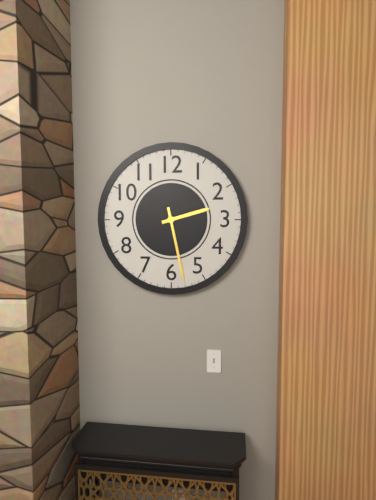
2:28
